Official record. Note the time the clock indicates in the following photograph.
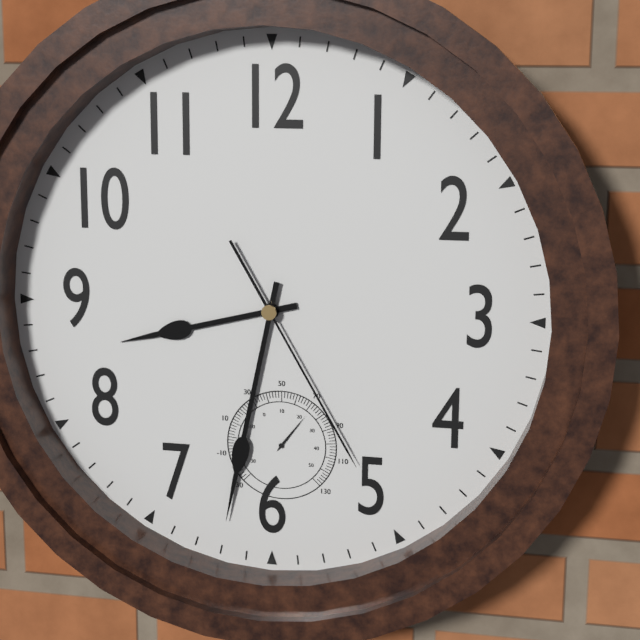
8:32:25
